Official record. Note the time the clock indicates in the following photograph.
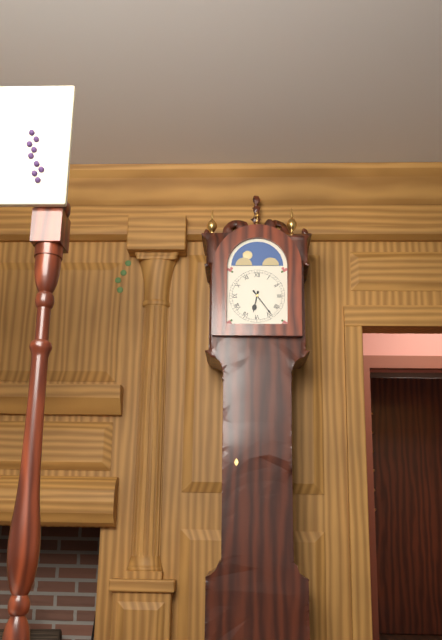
6:24
